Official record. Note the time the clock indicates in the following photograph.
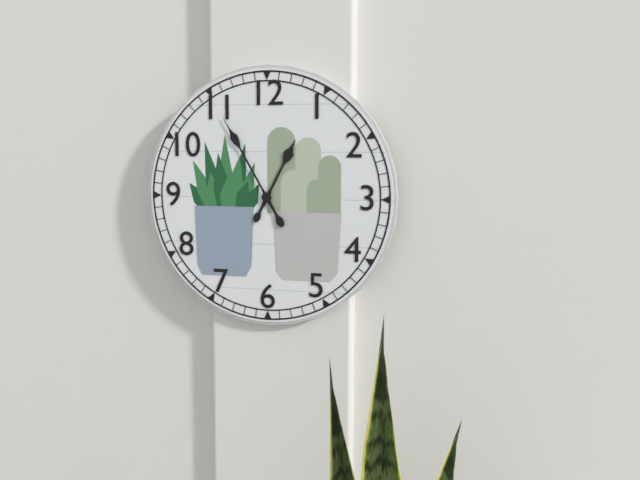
12:55
